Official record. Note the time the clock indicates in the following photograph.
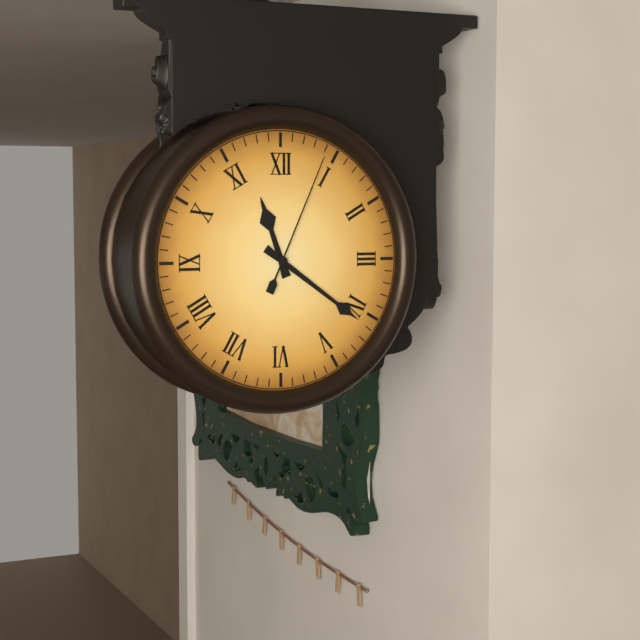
11:21:04
